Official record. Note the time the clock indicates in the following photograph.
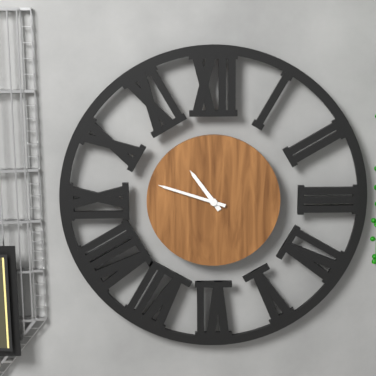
10:48
